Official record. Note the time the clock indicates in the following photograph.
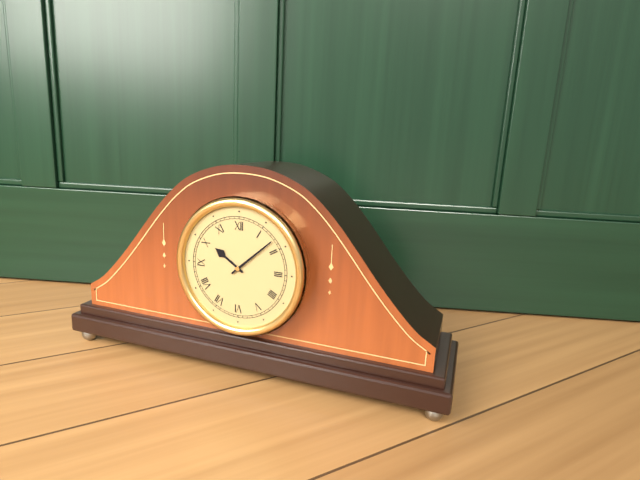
10:08
